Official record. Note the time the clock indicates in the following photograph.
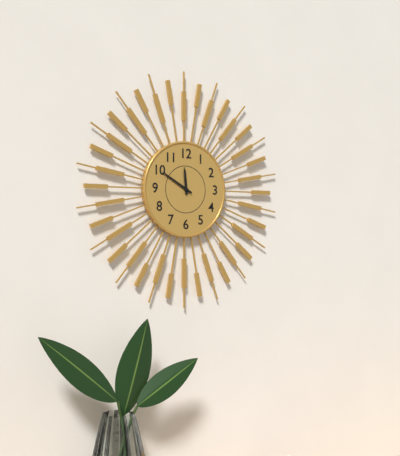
11:50
